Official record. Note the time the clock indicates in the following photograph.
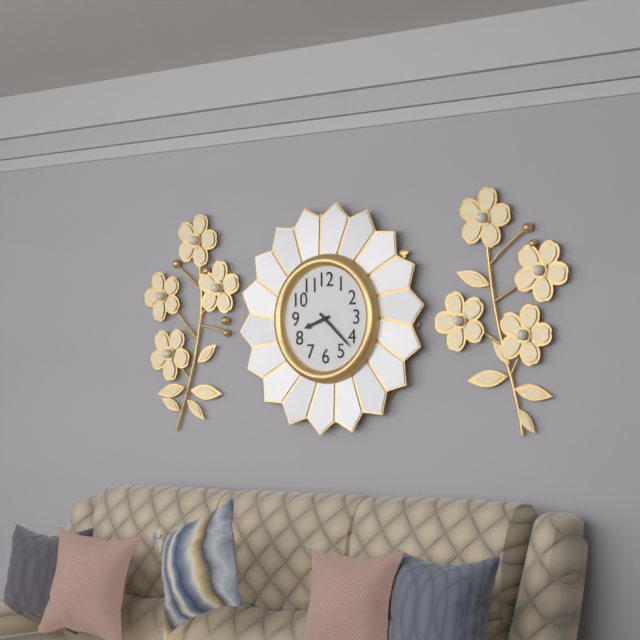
8:22
